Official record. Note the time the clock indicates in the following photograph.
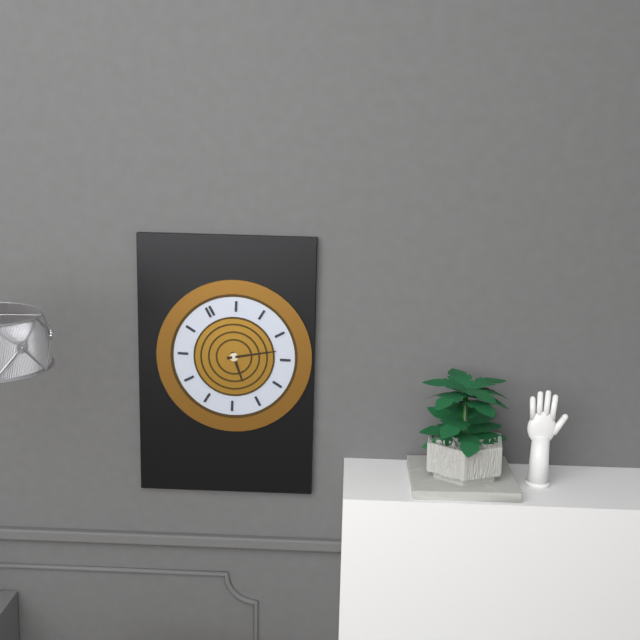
6:18
